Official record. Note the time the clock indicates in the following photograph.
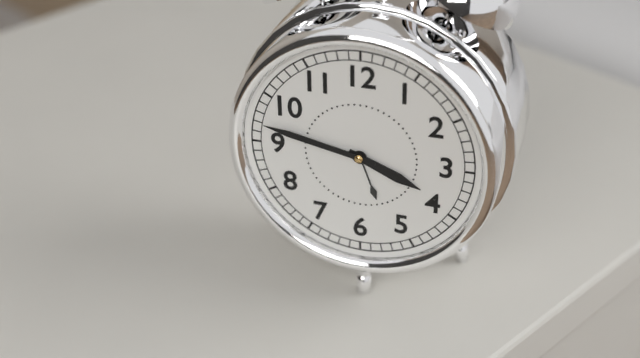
3:47
